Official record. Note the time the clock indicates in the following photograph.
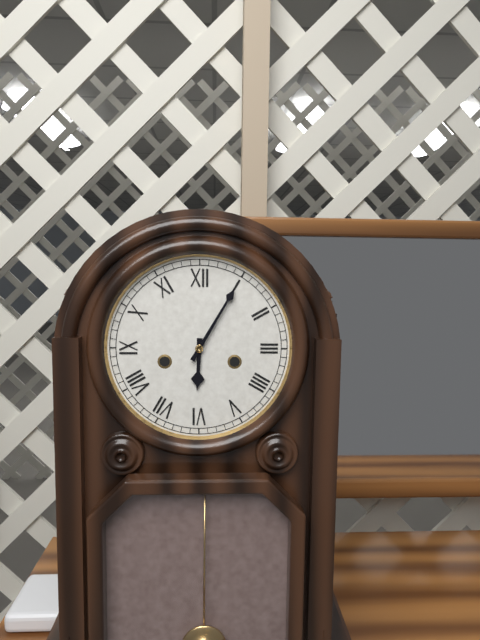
6:05
